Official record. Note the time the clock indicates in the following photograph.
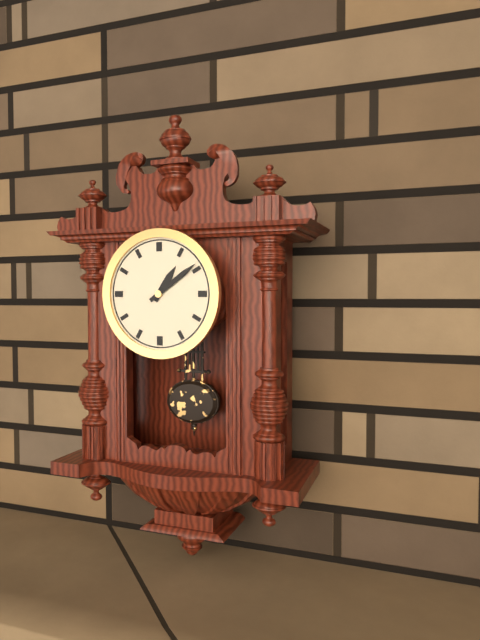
1:09
